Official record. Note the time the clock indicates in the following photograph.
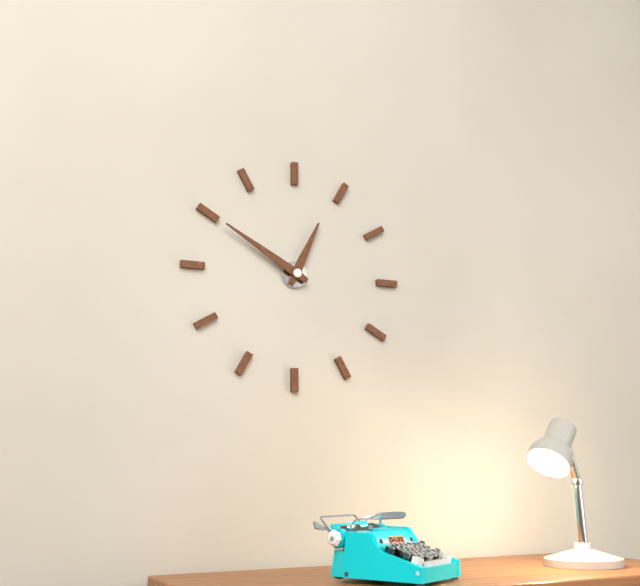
12:50
